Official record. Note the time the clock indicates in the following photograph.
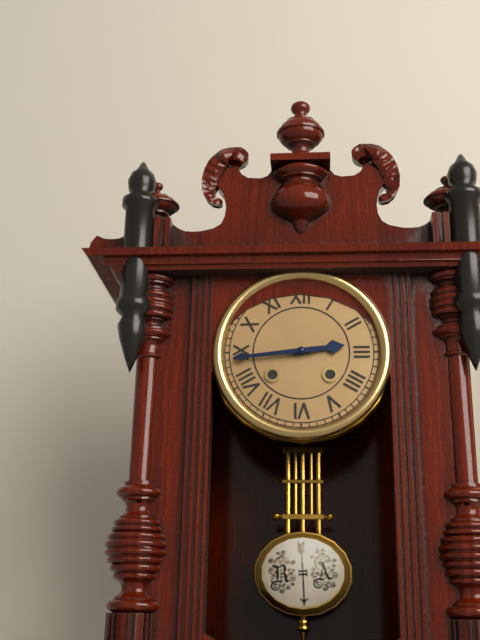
2:44
